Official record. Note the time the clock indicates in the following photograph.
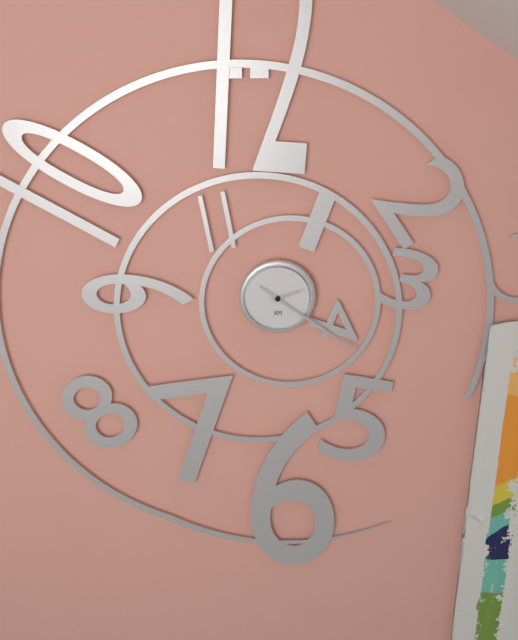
2:21:21
